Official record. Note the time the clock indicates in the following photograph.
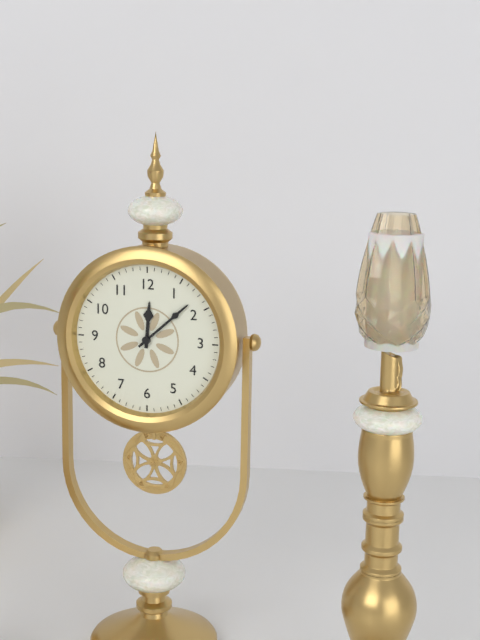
12:08
